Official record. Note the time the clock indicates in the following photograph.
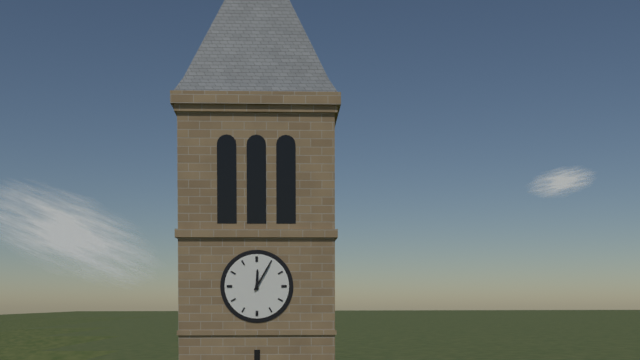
12:05
